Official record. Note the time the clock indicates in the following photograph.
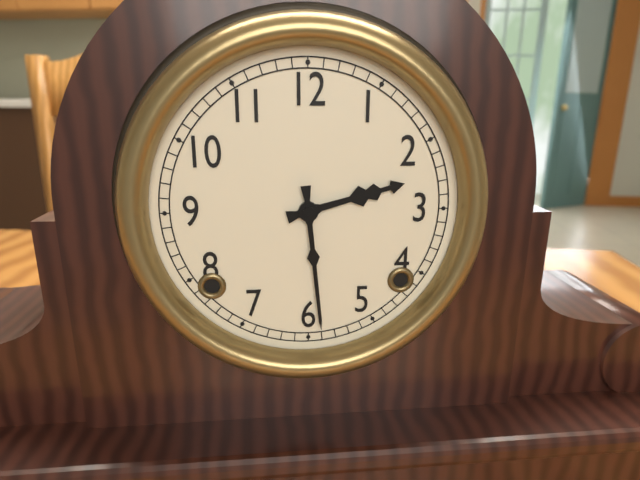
2:29
